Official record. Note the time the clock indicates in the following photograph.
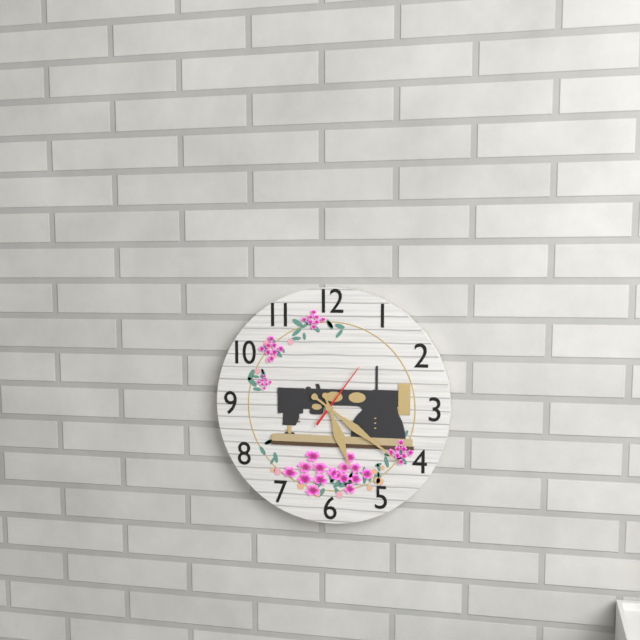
5:21:06
